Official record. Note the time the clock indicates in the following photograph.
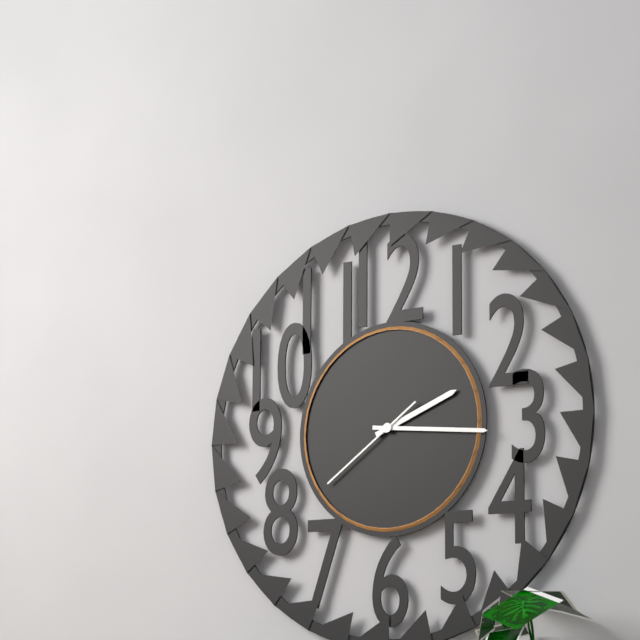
2:16:39
